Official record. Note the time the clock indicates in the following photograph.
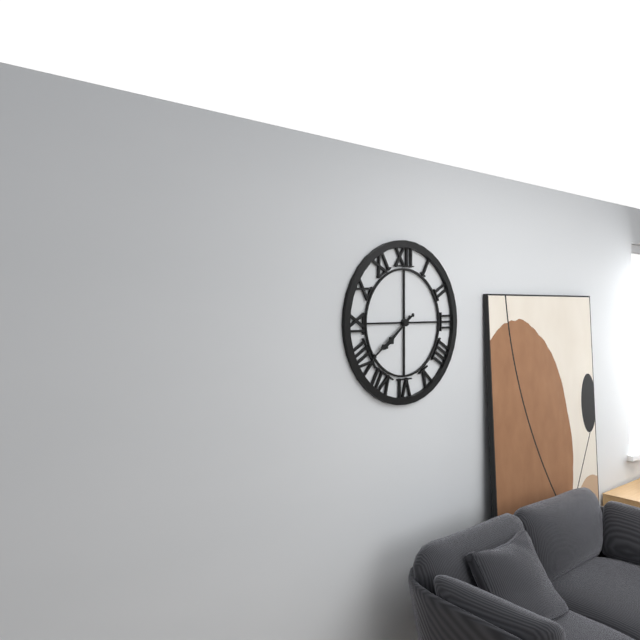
7:39
